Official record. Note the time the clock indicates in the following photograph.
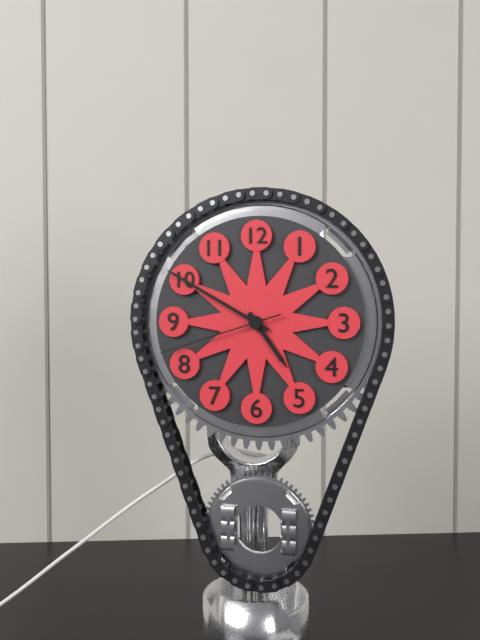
4:50:42
